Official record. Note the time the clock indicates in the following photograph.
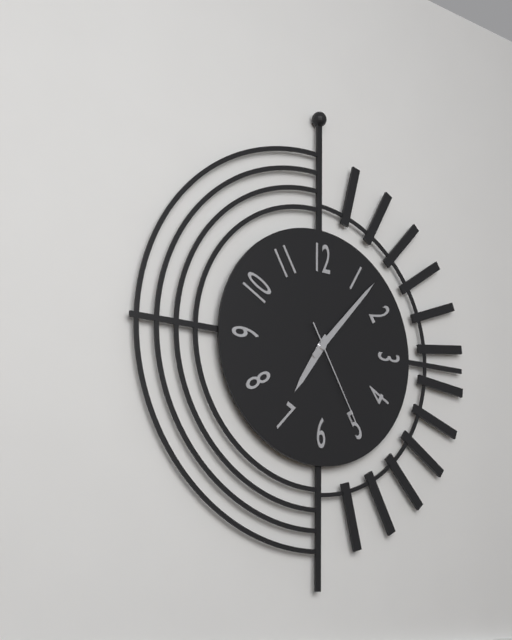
7:07:25
